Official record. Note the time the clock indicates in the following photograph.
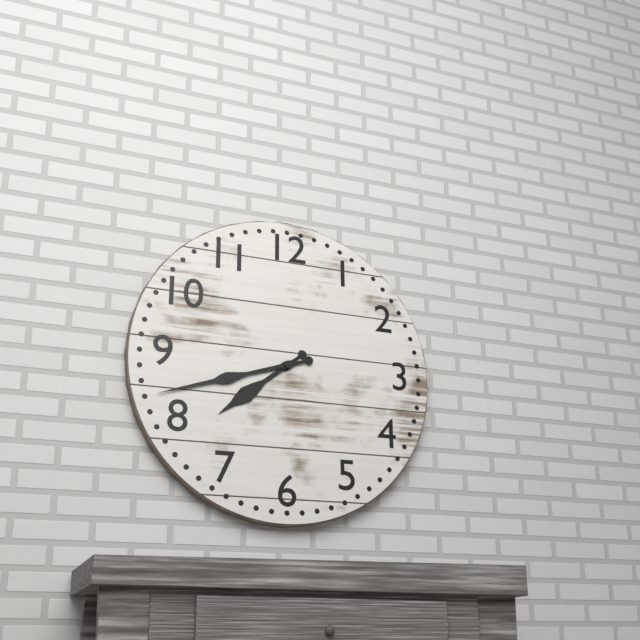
7:42
